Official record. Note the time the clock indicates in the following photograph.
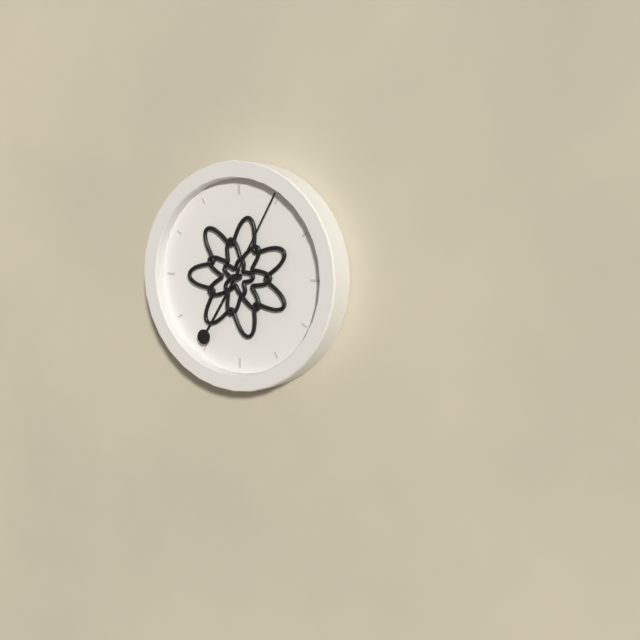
7:05
